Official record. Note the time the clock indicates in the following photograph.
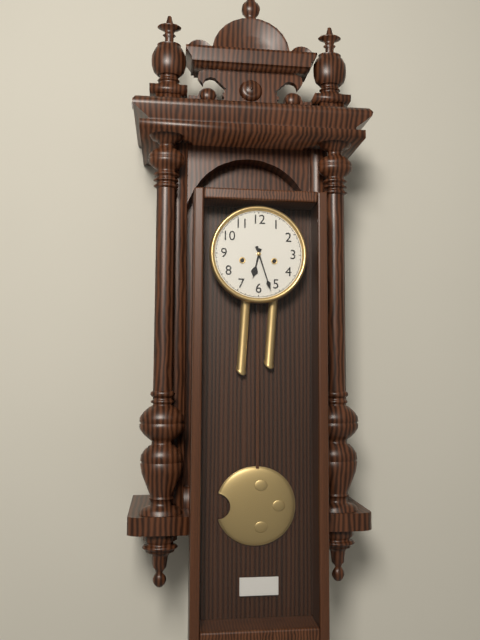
6:27
